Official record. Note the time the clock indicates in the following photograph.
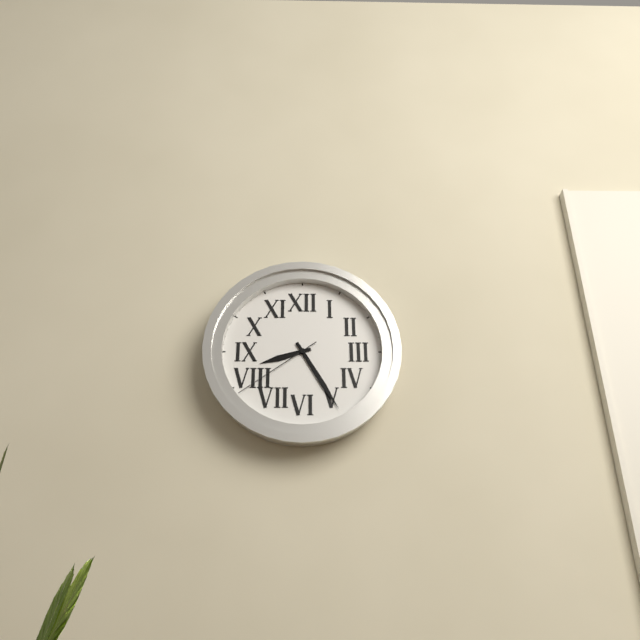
8:25:39
